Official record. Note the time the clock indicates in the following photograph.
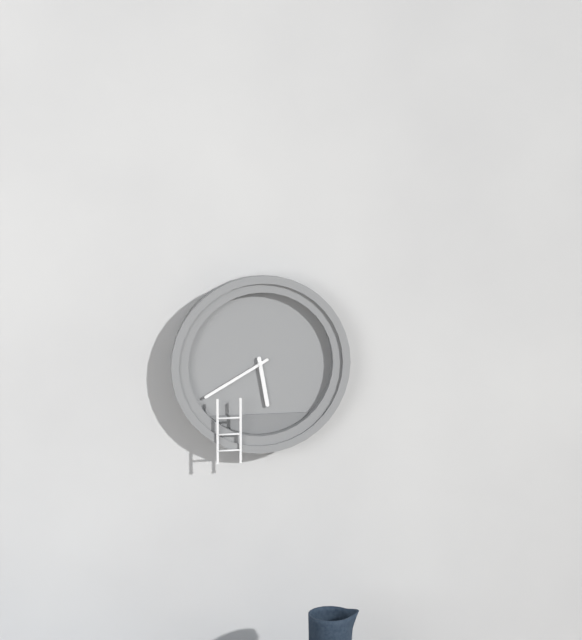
5:40
